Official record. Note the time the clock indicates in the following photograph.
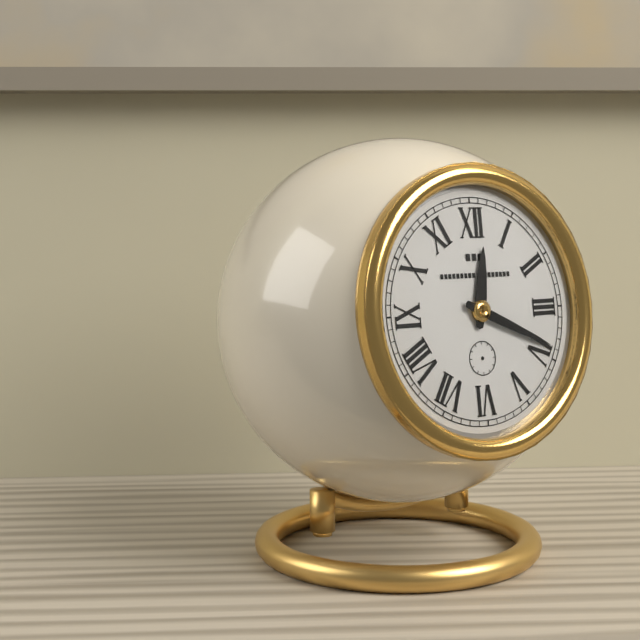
12:19
